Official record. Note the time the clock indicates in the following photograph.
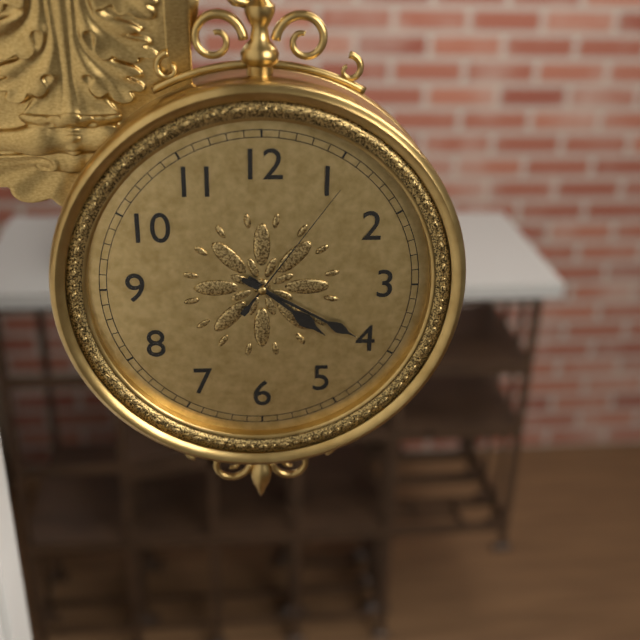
4:20:06
